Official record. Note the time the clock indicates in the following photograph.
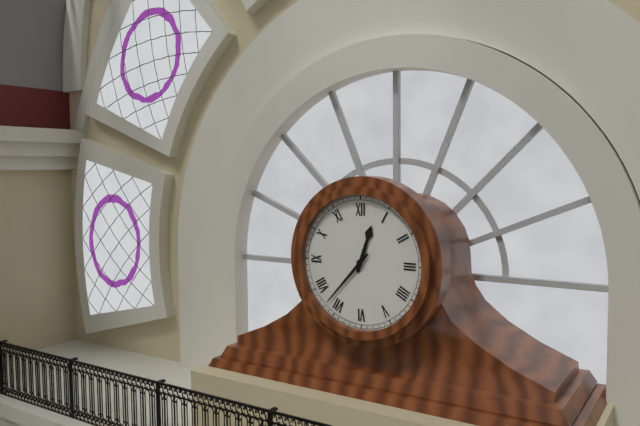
12:37
